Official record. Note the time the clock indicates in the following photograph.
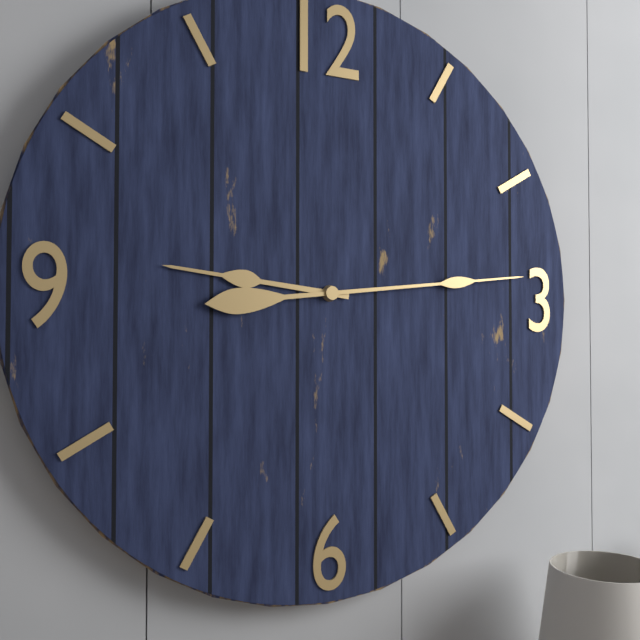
9:14
